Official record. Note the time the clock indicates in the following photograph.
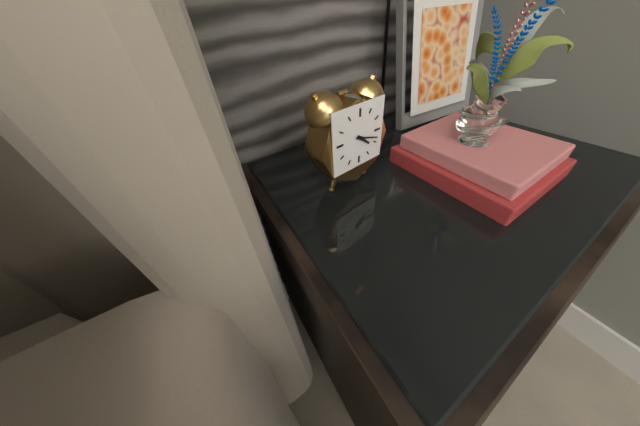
4:18
